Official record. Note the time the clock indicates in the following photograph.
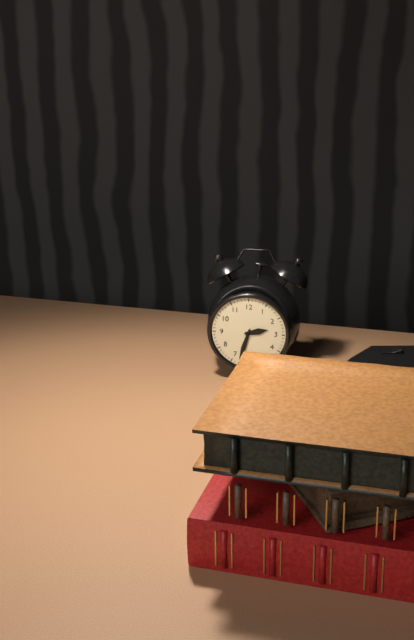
2:33
